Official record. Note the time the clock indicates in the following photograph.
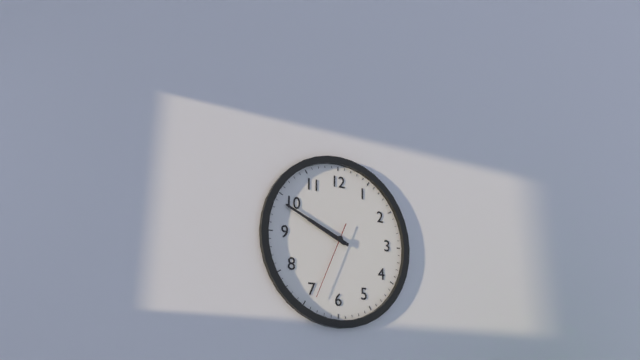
9:49:34
